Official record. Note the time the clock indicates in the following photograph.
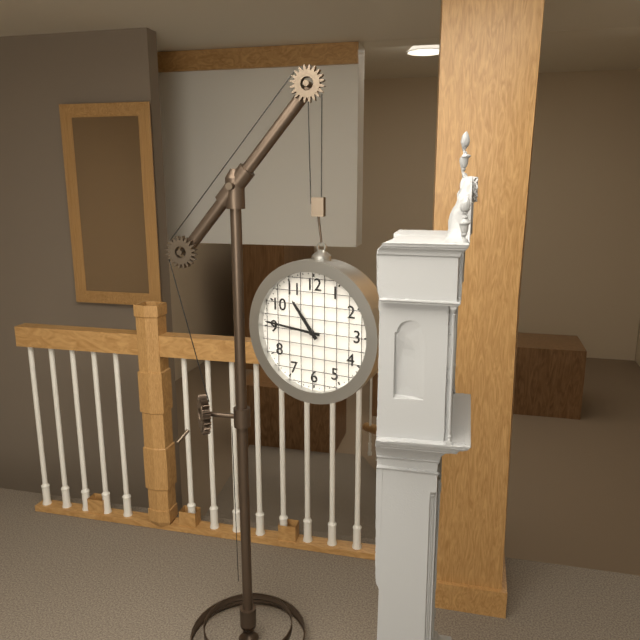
10:46
